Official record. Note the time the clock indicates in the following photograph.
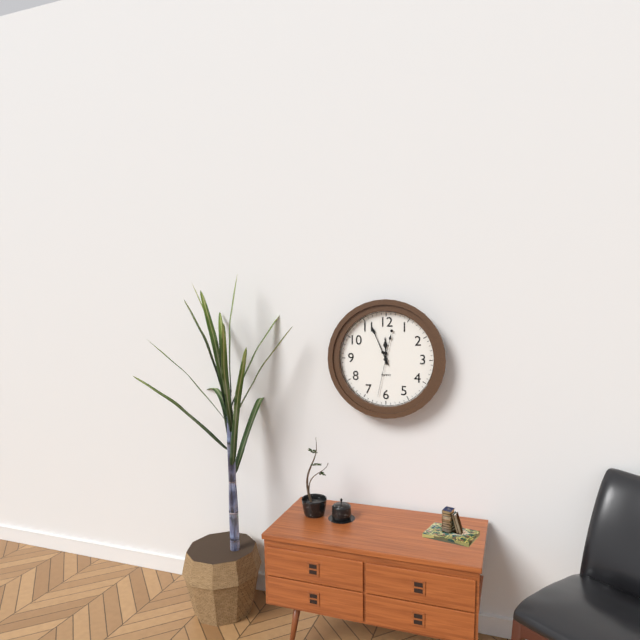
11:56
